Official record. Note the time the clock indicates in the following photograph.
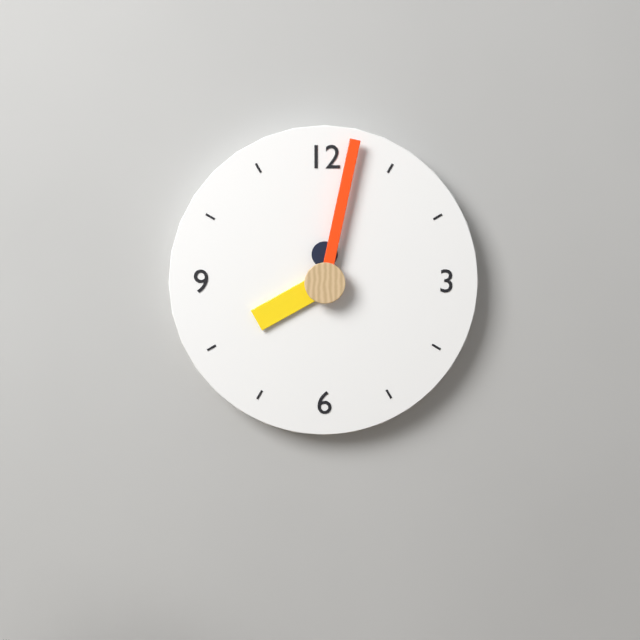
8:02
